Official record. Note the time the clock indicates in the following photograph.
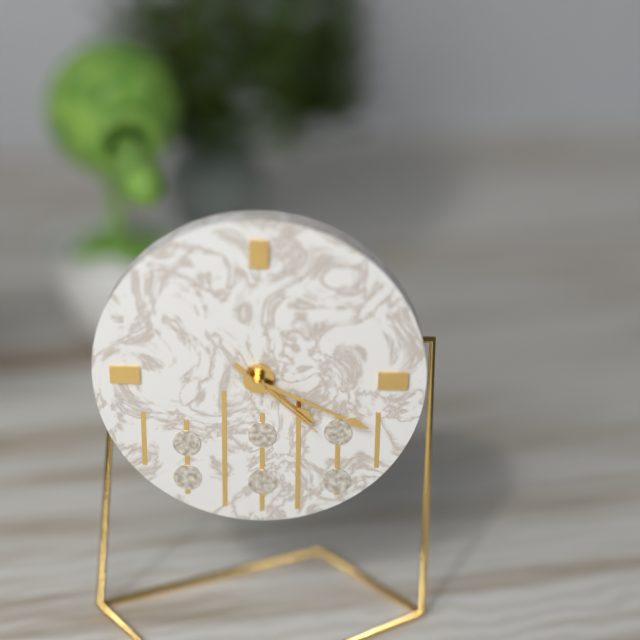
4:19:22
